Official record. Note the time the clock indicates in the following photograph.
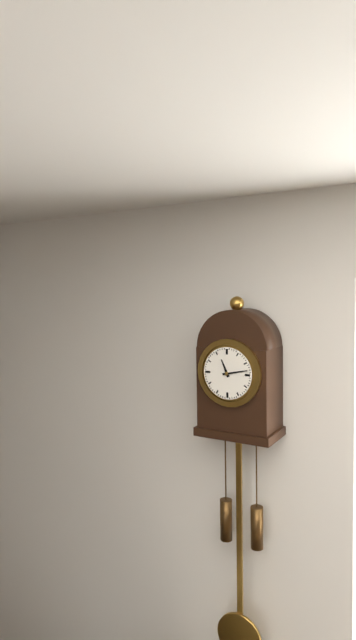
11:13
